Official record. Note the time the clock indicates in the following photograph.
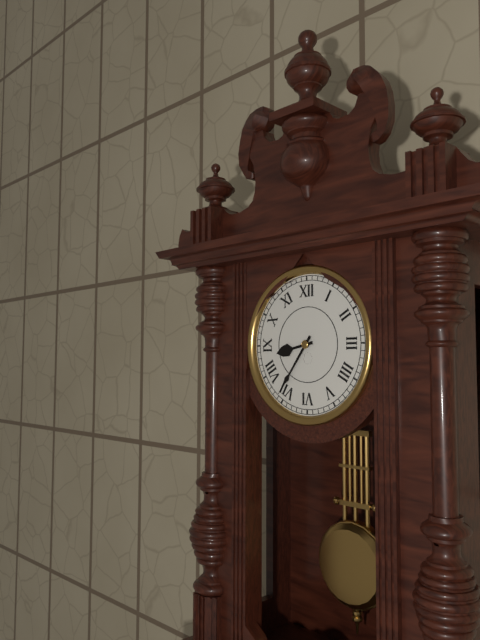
8:36
